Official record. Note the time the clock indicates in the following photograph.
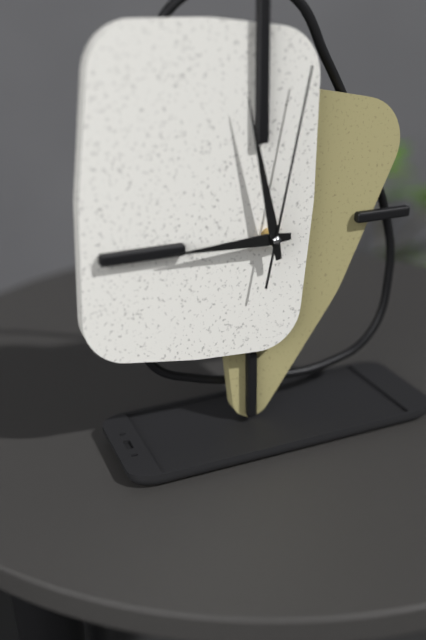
8:58:02
